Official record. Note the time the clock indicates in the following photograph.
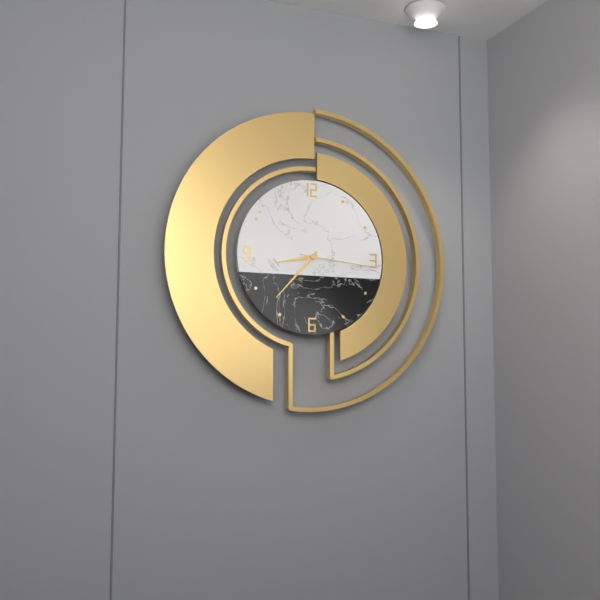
8:37:16
